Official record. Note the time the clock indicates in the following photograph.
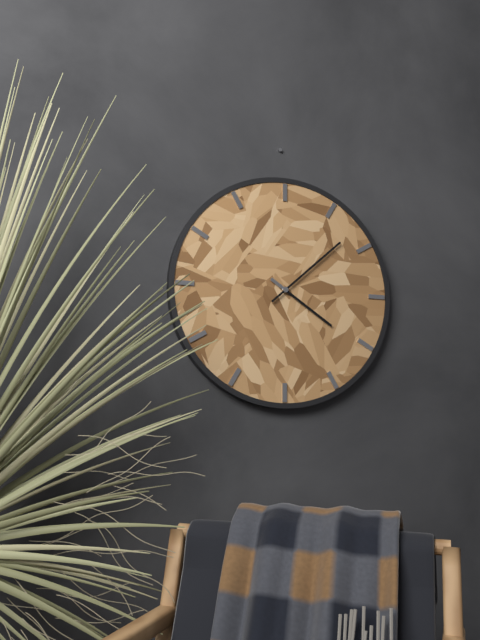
4:08
